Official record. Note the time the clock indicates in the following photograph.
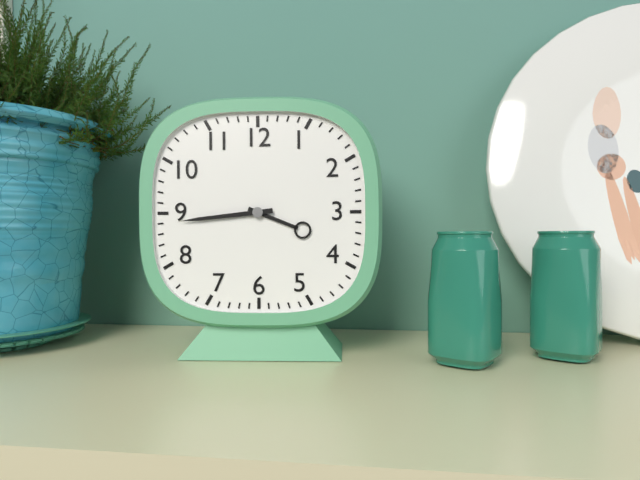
3:44
